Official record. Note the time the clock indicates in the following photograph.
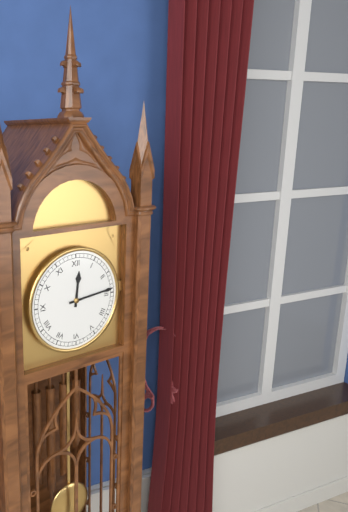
12:14
